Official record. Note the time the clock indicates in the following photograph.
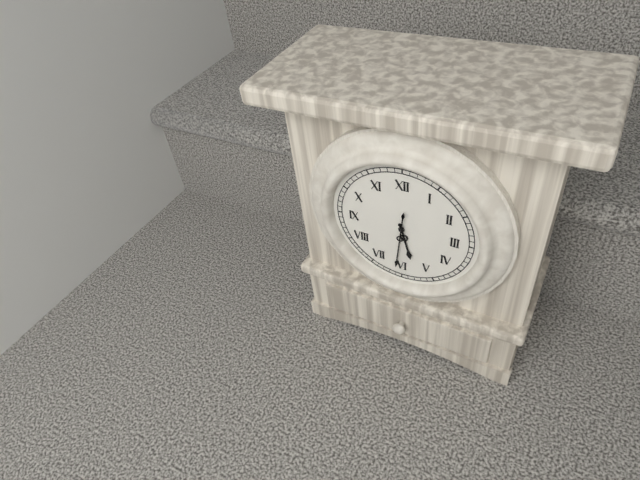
5:31
